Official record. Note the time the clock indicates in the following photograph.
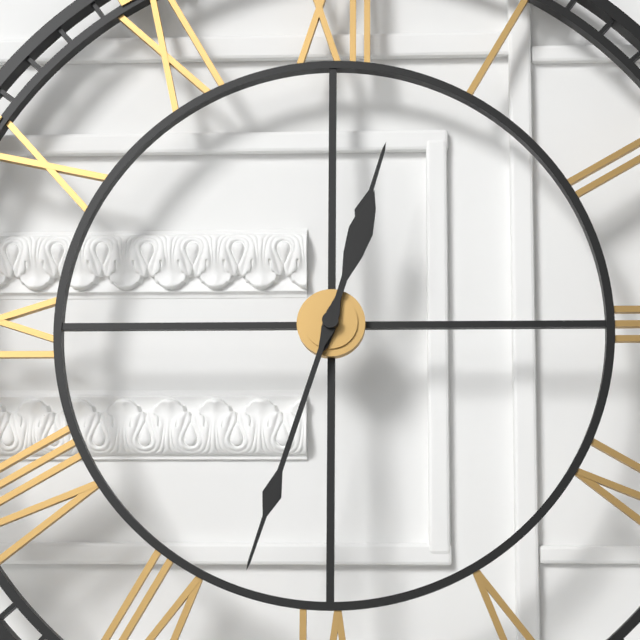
12:33
